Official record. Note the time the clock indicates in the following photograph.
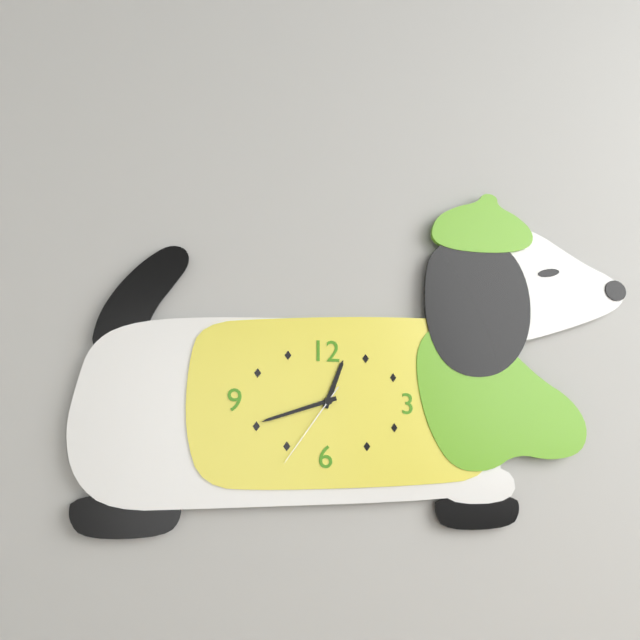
12:42:36
